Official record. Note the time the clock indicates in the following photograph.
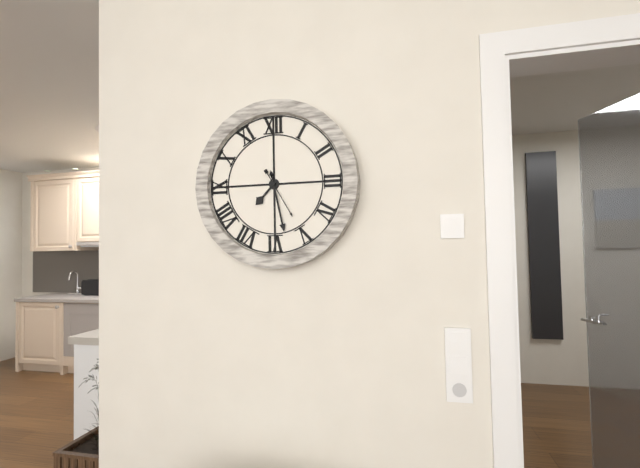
7:28
